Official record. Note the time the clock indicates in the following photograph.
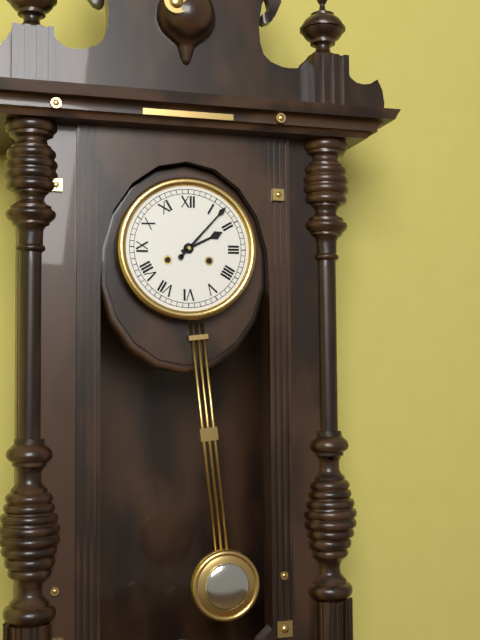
2:07
